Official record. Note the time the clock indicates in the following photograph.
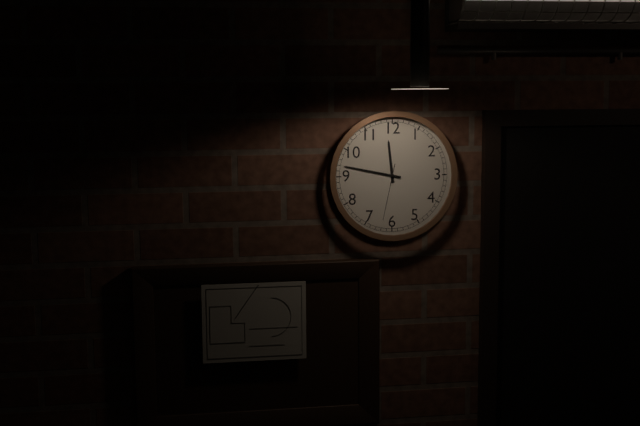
11:47:32
